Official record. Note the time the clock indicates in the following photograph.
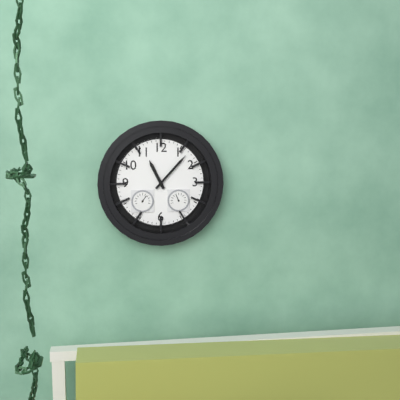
11:07
